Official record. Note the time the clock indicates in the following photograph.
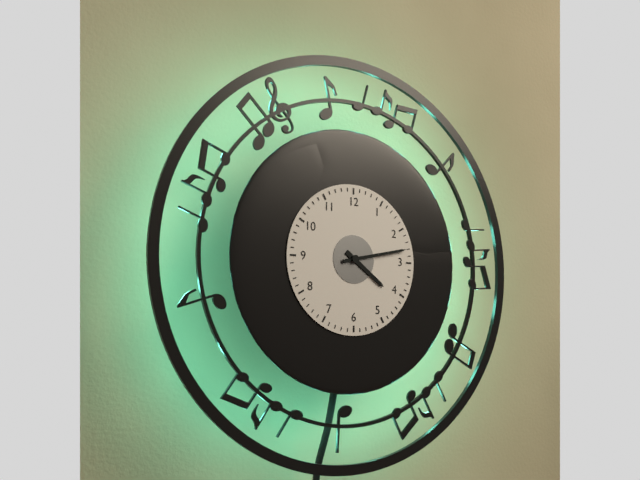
4:13
